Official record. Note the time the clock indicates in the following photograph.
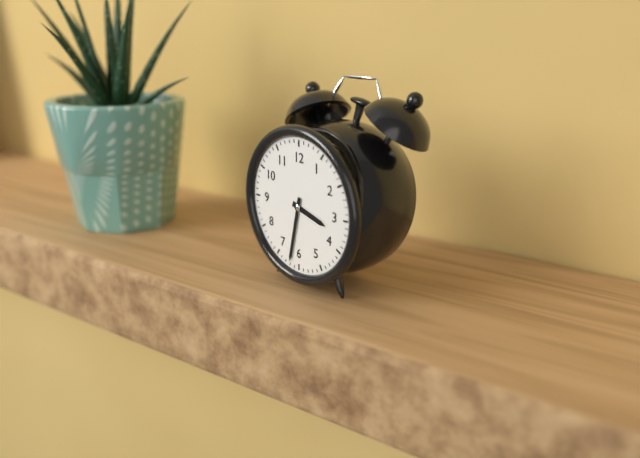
3:32
